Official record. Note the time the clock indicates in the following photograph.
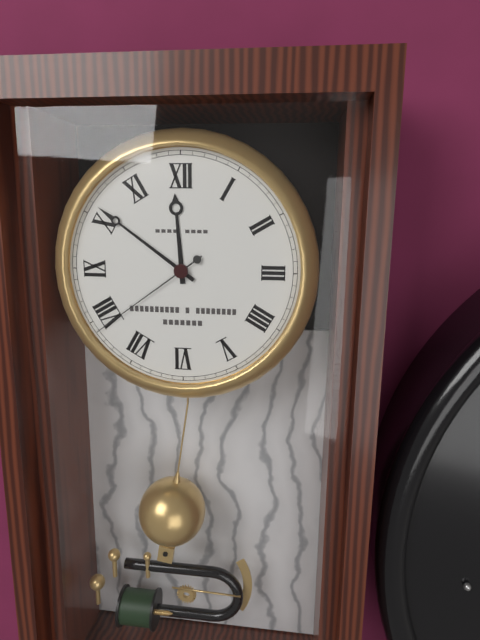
11:51:39
